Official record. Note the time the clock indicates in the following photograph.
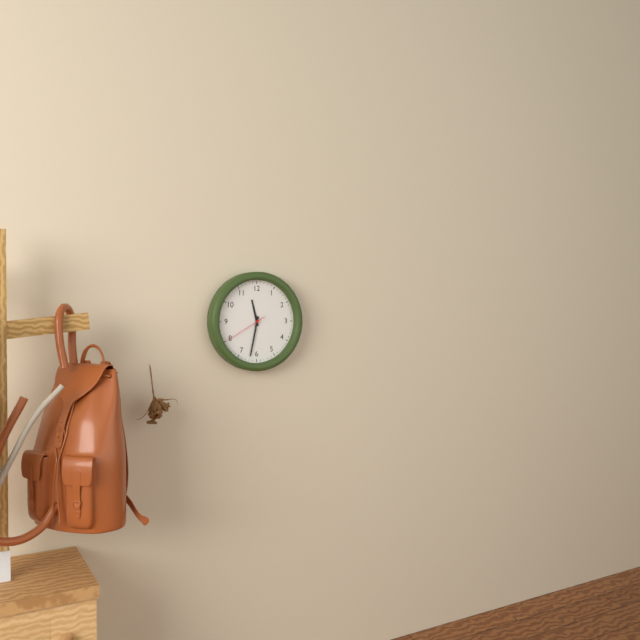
11:32
